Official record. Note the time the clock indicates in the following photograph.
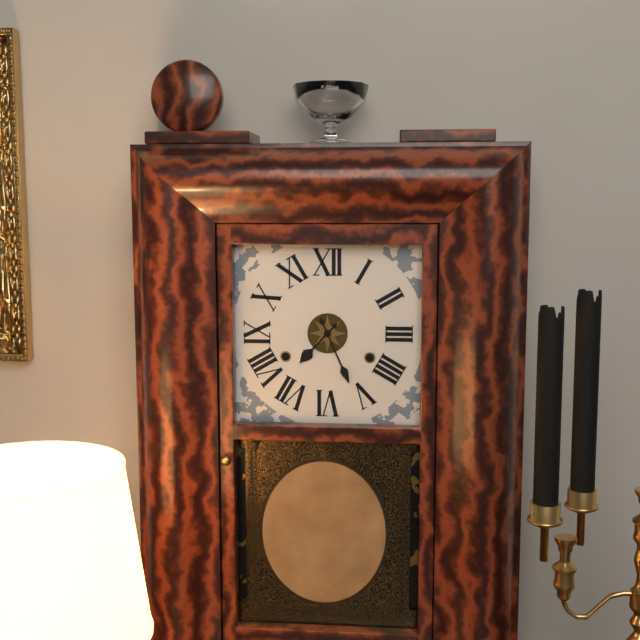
7:26
